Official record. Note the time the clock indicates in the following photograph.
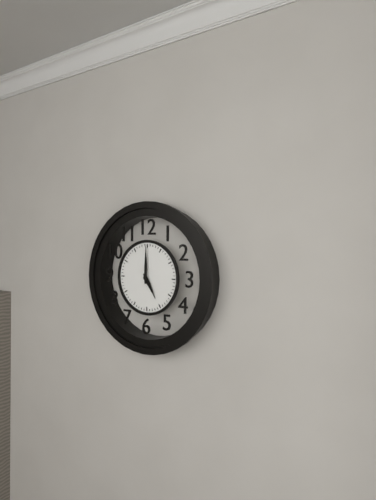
5:00
